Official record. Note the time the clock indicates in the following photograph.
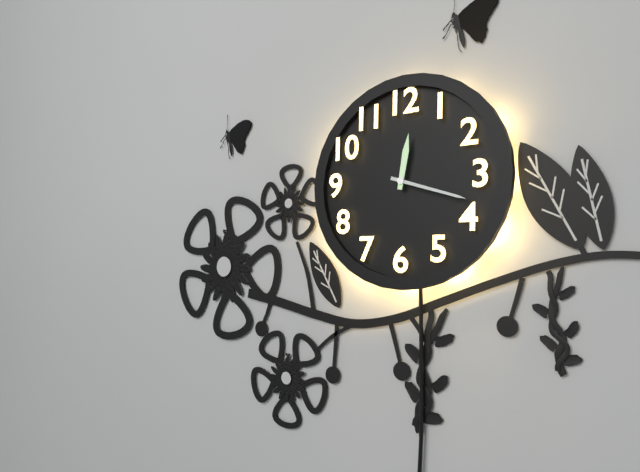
12:18
